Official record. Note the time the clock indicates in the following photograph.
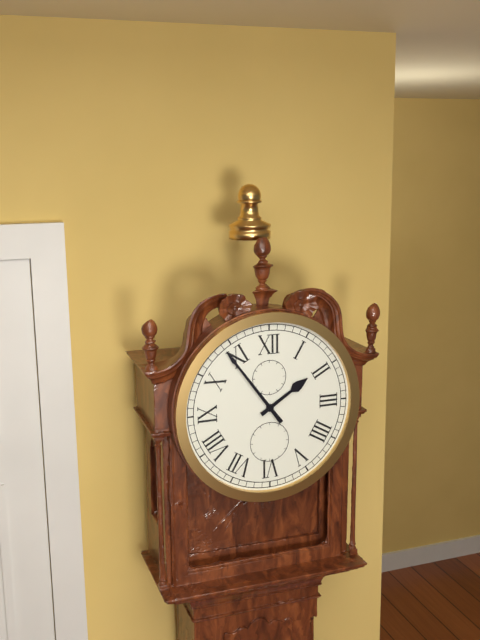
1:54
